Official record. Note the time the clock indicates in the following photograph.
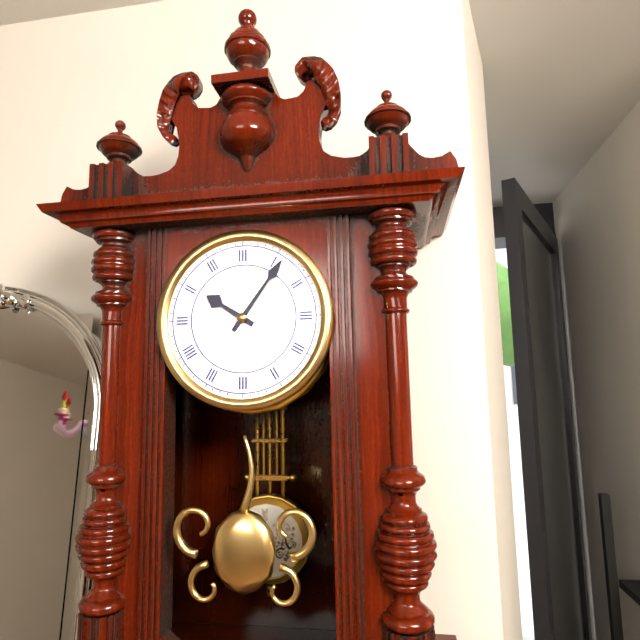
10:06
